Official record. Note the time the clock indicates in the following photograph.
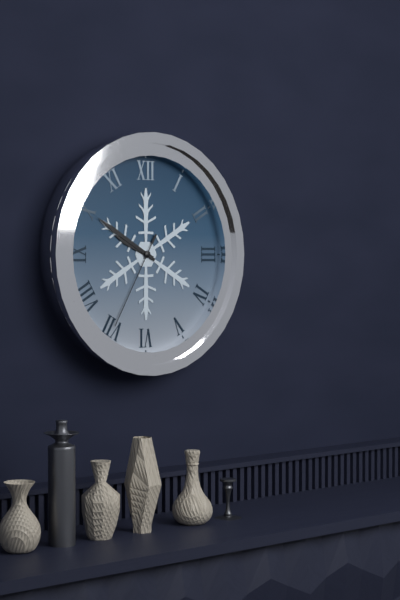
9:50:35
